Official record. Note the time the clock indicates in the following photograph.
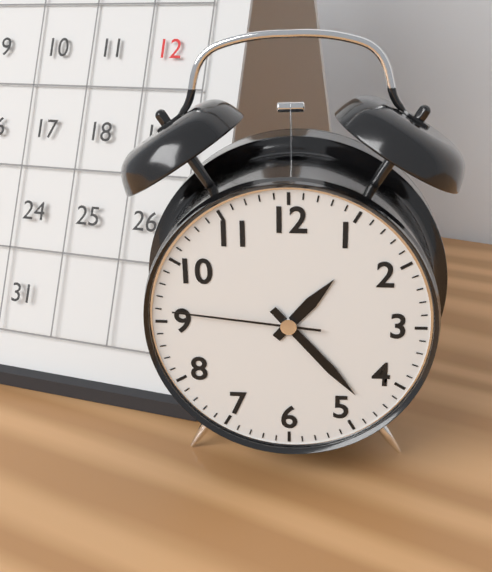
1:23:46
